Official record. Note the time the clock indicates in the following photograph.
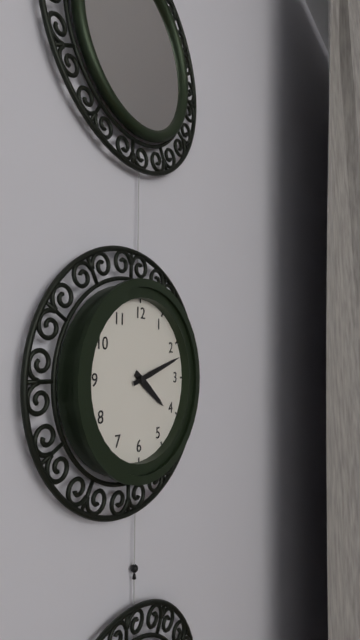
4:12
